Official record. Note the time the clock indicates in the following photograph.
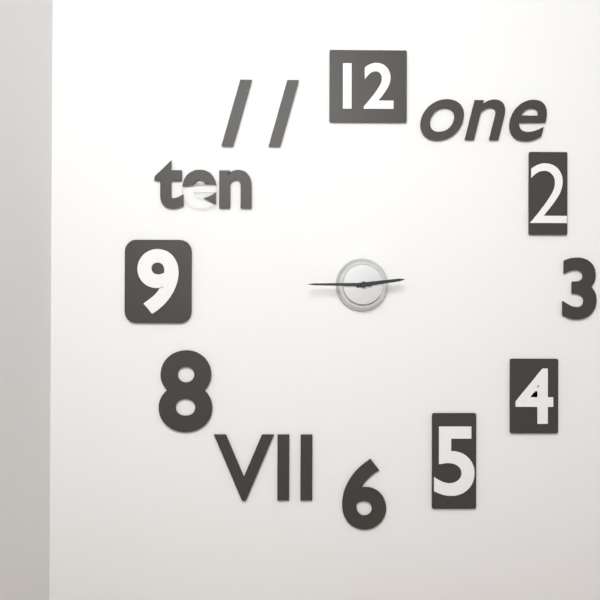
2:45
